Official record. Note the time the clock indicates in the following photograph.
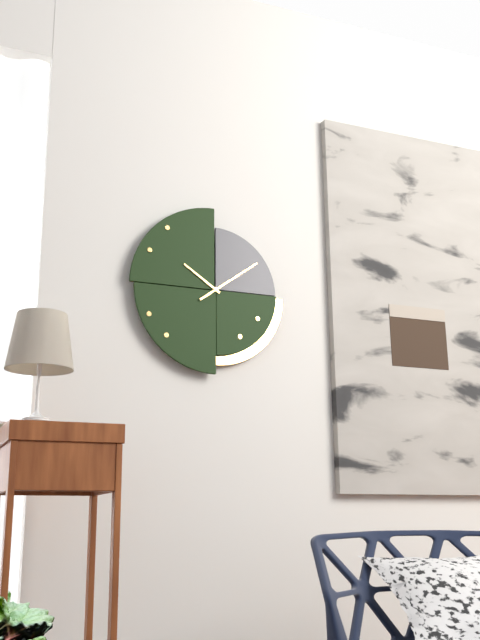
10:09
